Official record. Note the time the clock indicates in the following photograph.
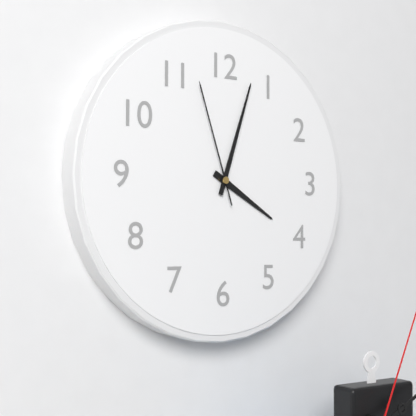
4:03:57
